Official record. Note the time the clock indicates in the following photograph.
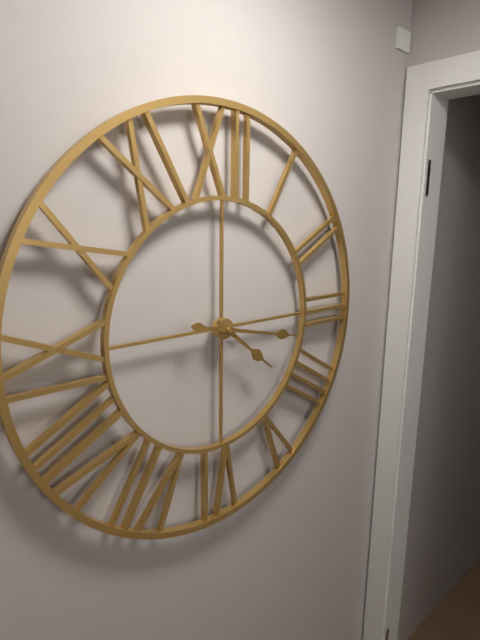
4:17
